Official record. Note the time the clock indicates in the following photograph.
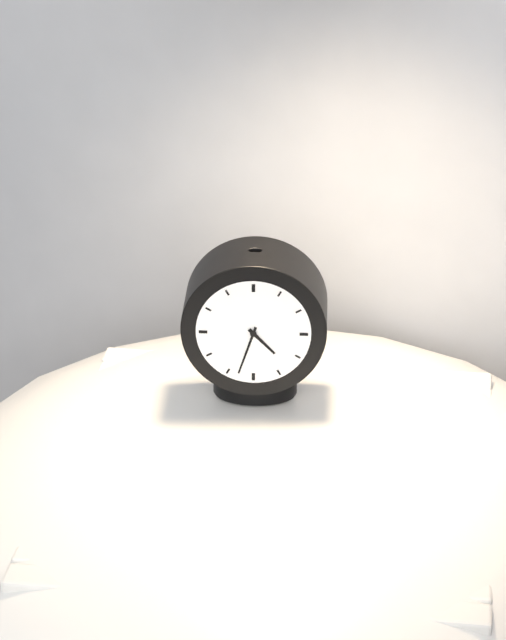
4:33
